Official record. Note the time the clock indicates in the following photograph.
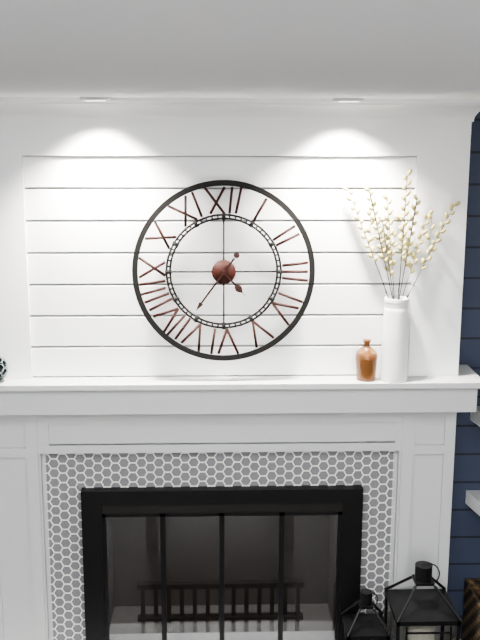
4:36
